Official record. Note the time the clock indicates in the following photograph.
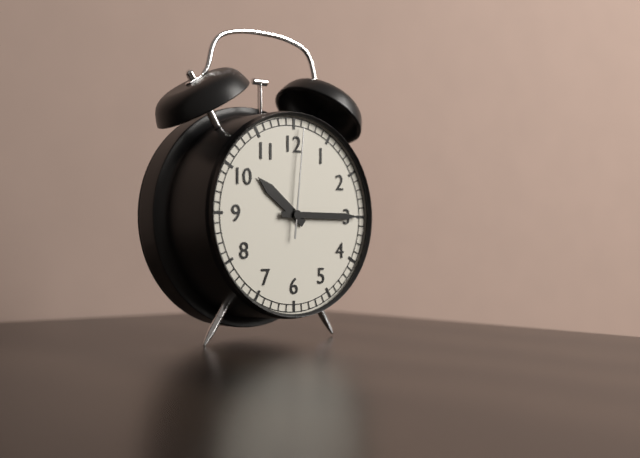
10:15:01
